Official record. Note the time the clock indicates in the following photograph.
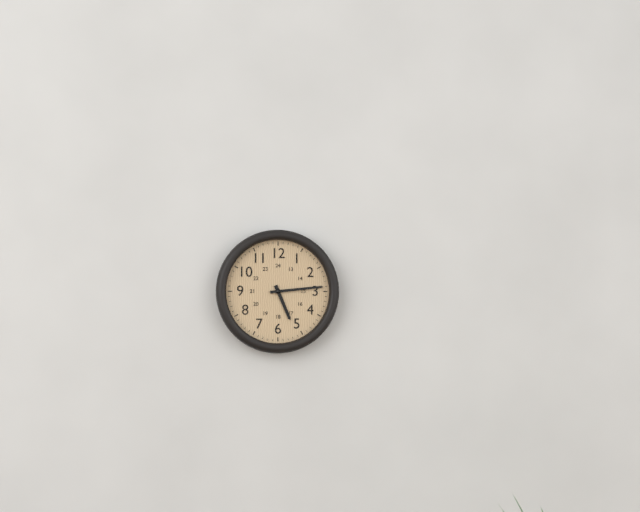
5:14
